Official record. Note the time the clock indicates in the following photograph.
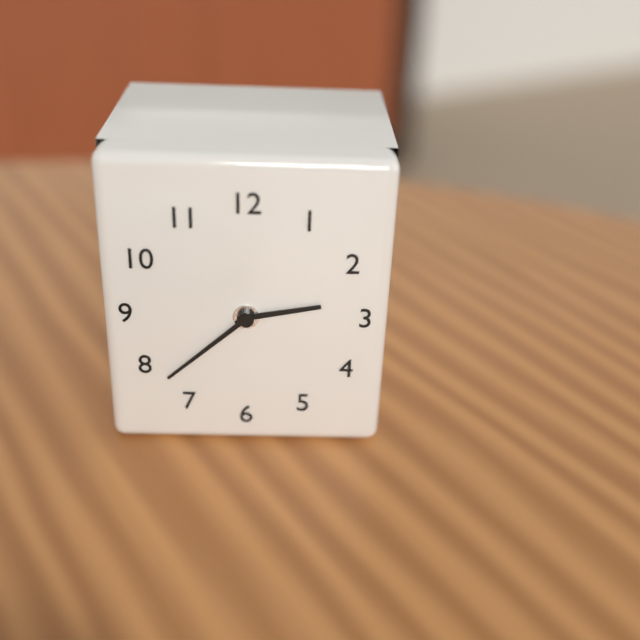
2:38
